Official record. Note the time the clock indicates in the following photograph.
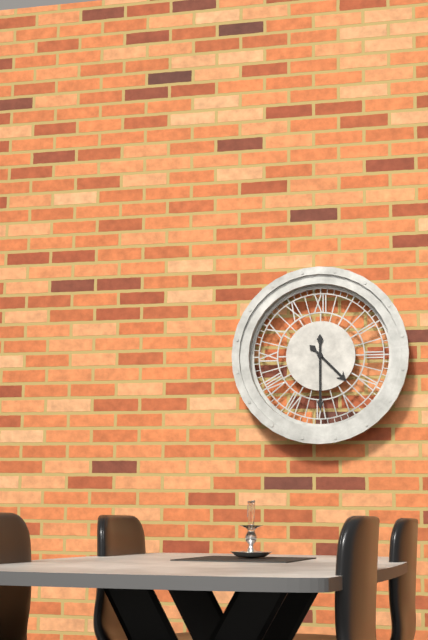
4:30
